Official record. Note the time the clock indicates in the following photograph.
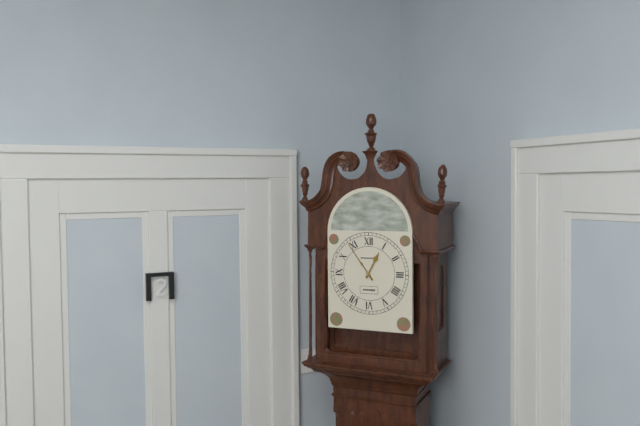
12:54
